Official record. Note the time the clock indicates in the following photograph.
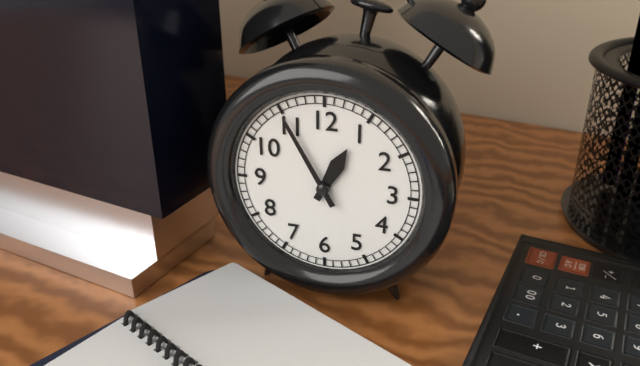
12:55
